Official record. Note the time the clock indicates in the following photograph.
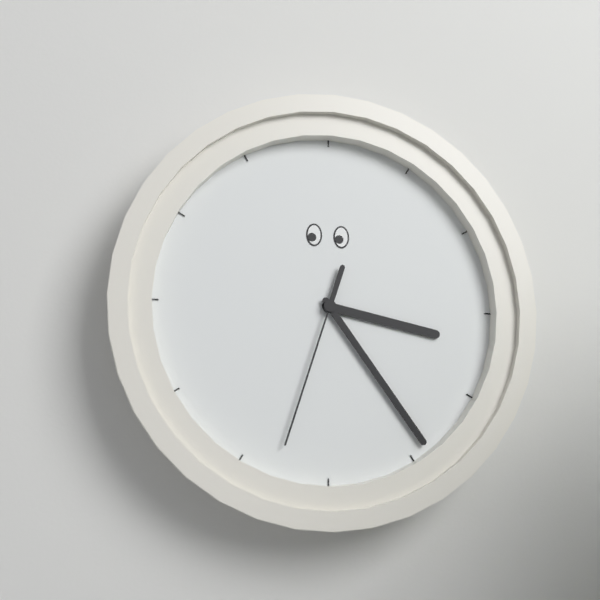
3:24:33
